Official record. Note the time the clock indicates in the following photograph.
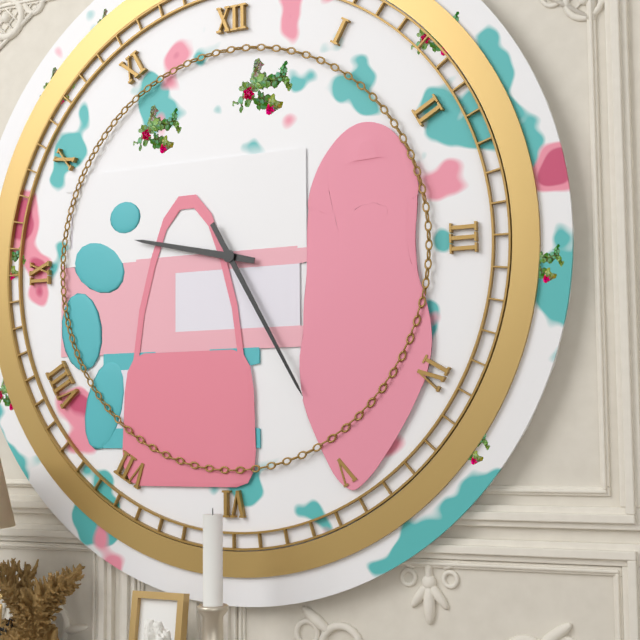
9:25
